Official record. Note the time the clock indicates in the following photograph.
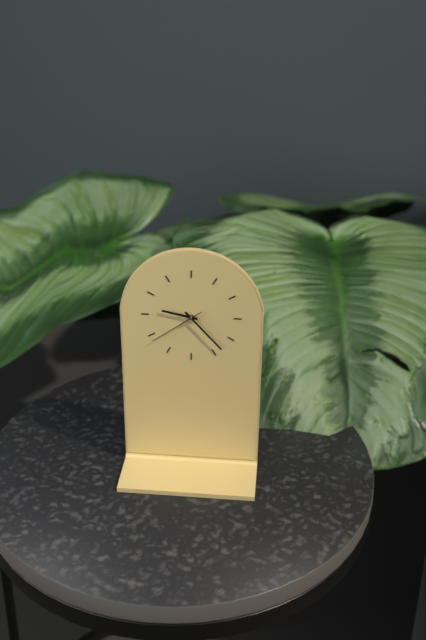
9:23:39
